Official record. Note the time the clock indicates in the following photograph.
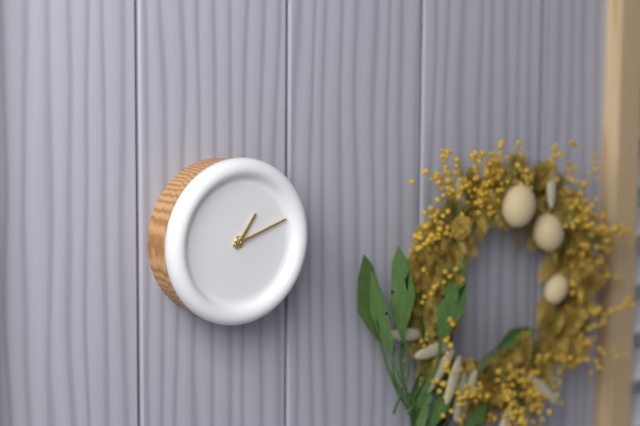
1:12
